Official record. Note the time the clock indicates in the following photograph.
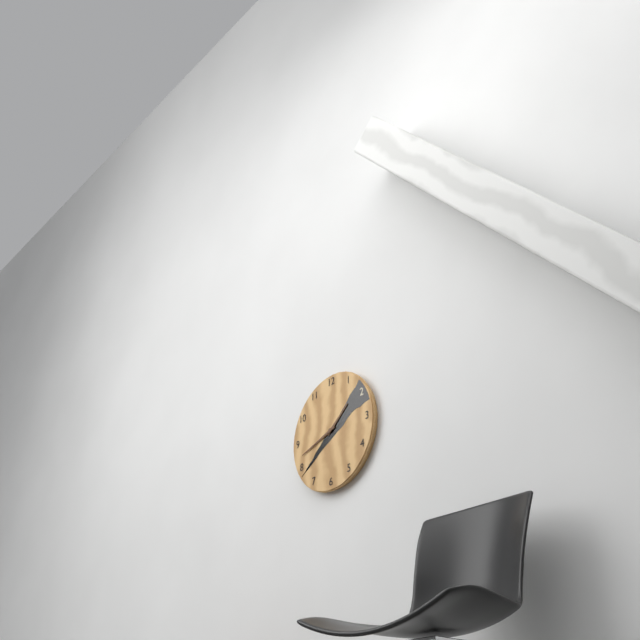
1:42
